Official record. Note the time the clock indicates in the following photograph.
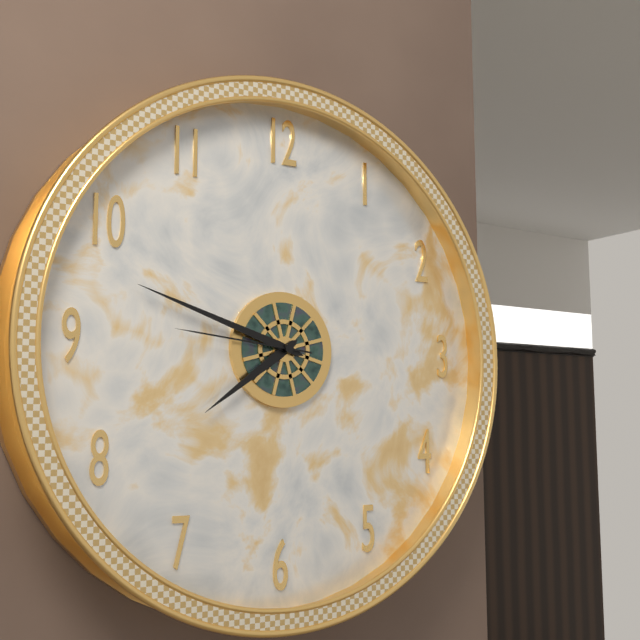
7:48:46
